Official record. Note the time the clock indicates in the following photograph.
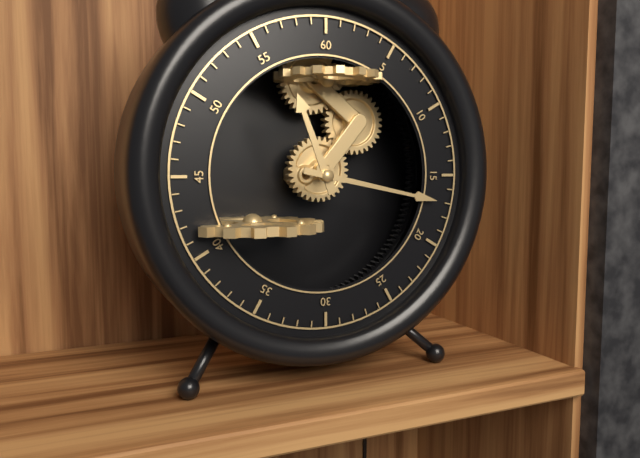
11:17
